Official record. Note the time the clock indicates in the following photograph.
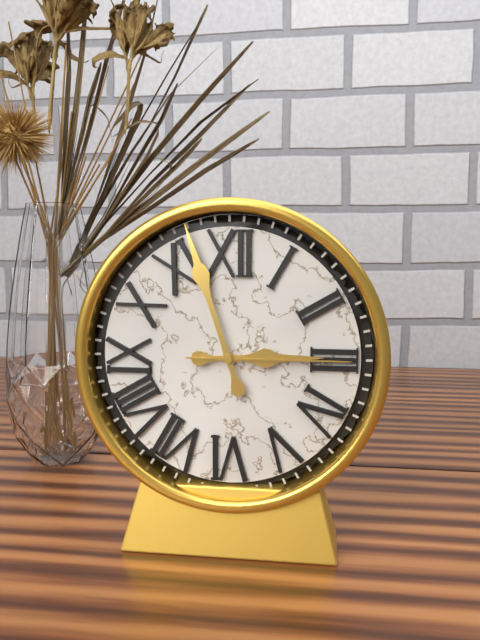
2:57:15
